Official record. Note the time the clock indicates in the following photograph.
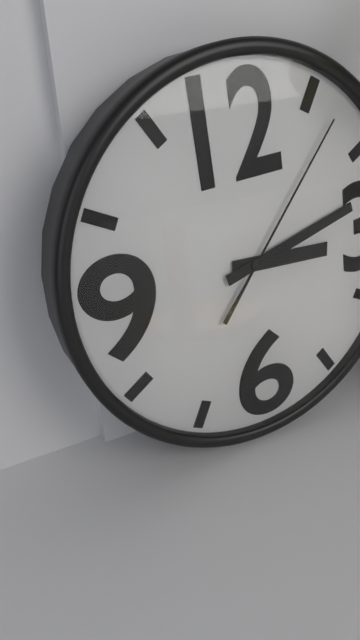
3:13:07
